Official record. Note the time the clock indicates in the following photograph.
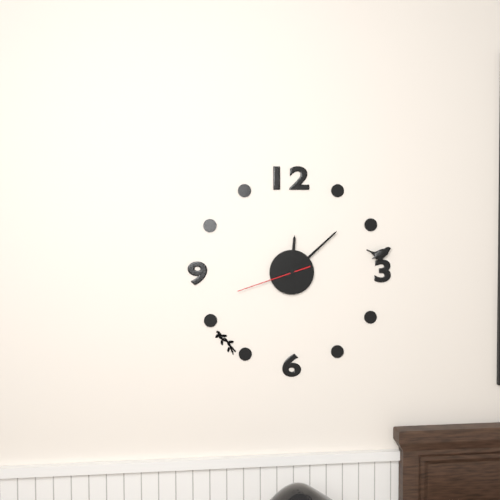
12:08:42
